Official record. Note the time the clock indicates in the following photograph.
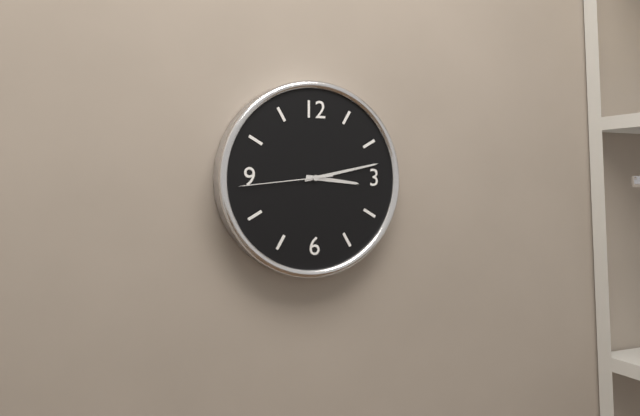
3:13:44
